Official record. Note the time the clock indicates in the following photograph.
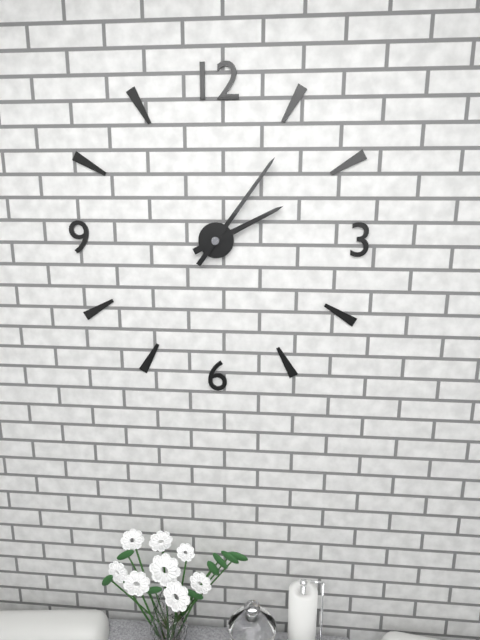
2:06
